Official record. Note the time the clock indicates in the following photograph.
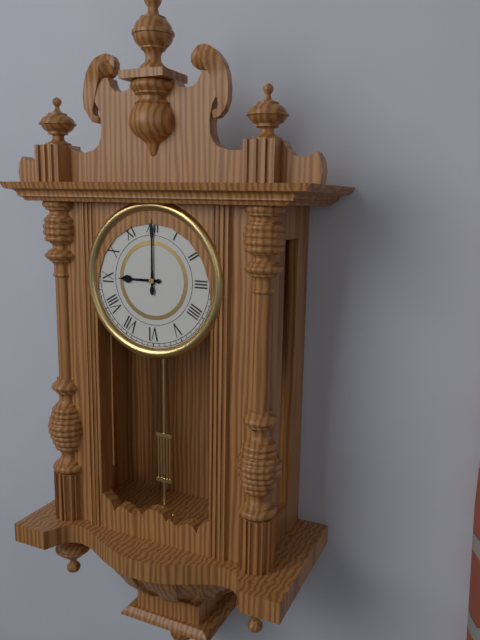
9:00
